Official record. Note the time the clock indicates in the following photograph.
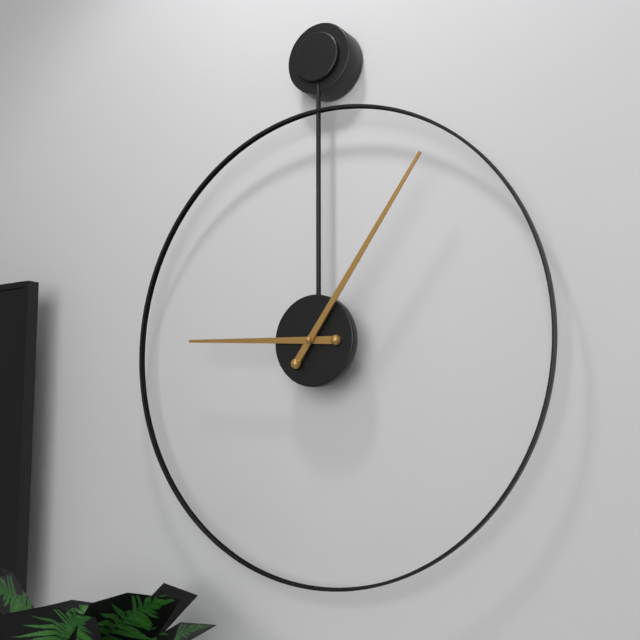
9:06
